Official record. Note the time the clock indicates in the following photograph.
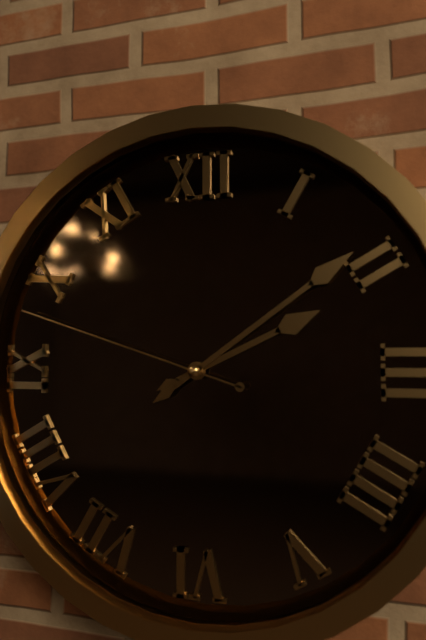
2:09:48
